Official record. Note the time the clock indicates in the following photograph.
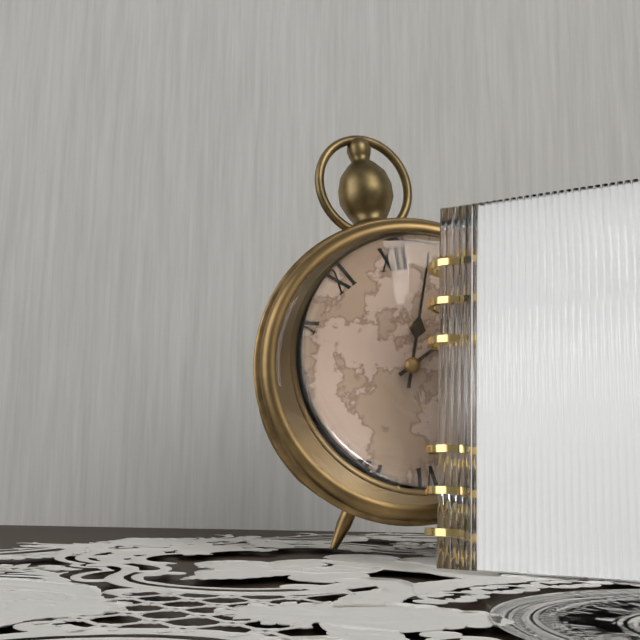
2:03
